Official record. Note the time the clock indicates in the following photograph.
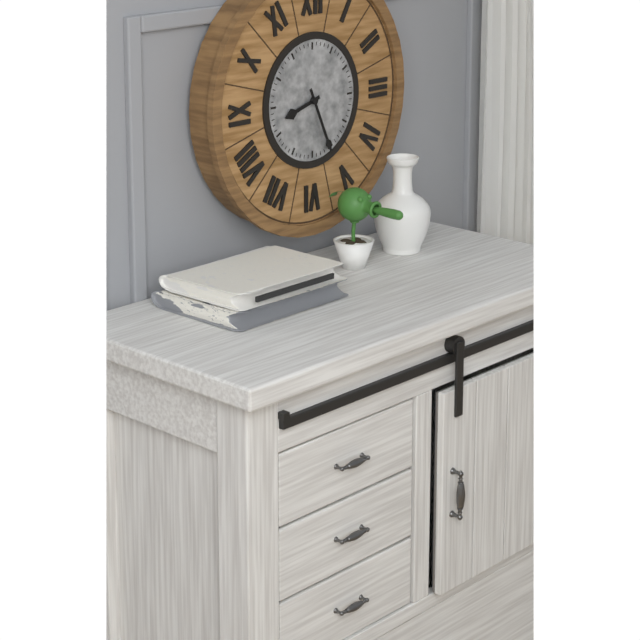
8:26
